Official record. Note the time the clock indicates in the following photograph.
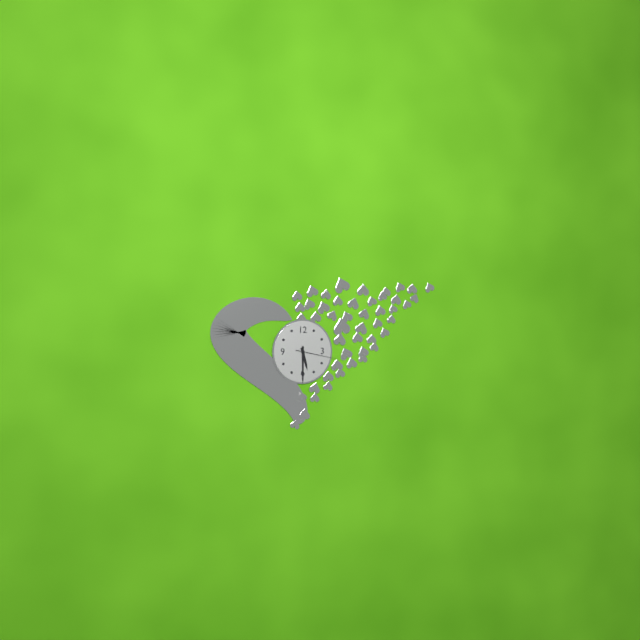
5:30
